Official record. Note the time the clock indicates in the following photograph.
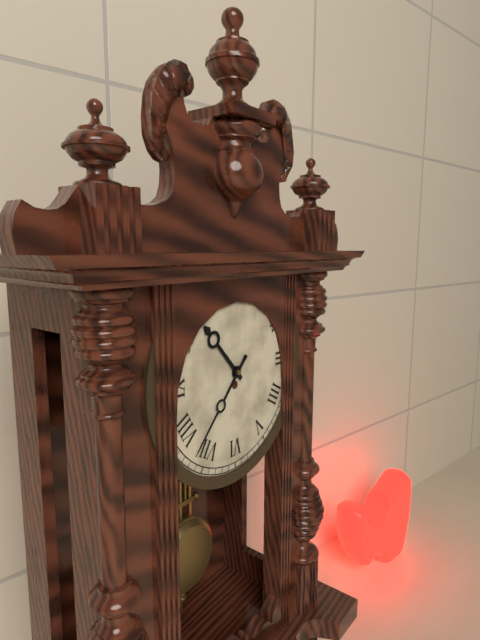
10:37
